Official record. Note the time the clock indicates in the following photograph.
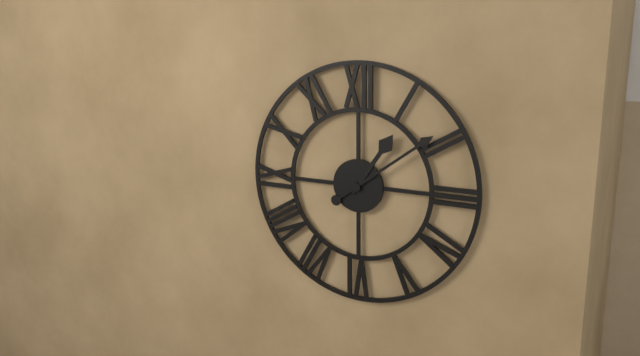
1:09
